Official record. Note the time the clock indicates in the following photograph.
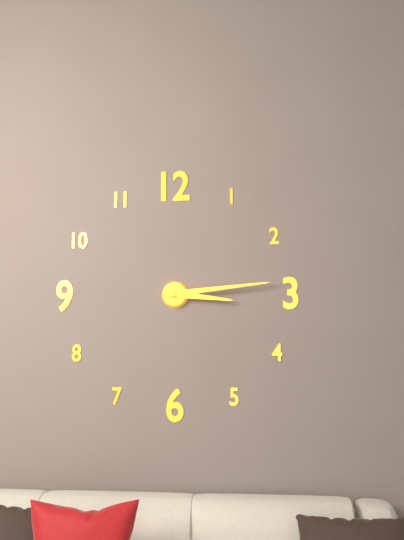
3:14
